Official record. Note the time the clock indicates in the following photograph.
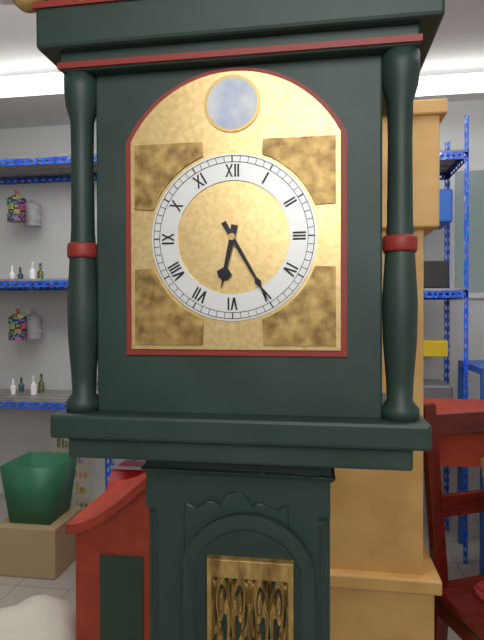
6:25
